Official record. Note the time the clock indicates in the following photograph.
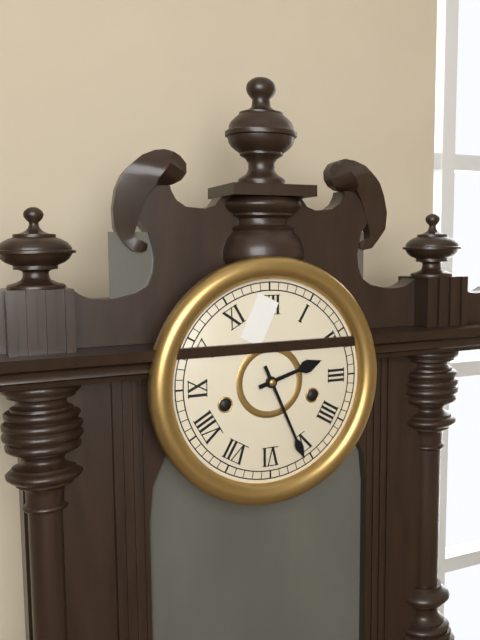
2:26
